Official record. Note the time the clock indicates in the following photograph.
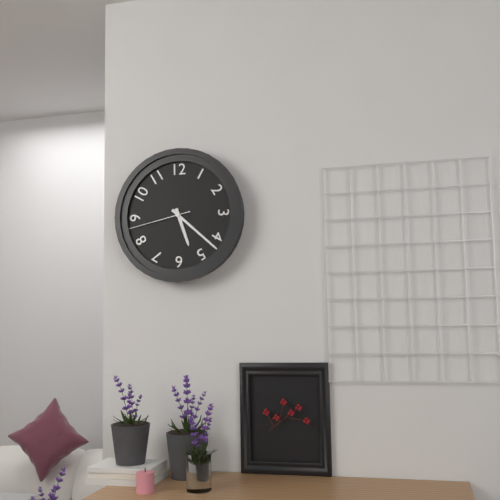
5:22:43
